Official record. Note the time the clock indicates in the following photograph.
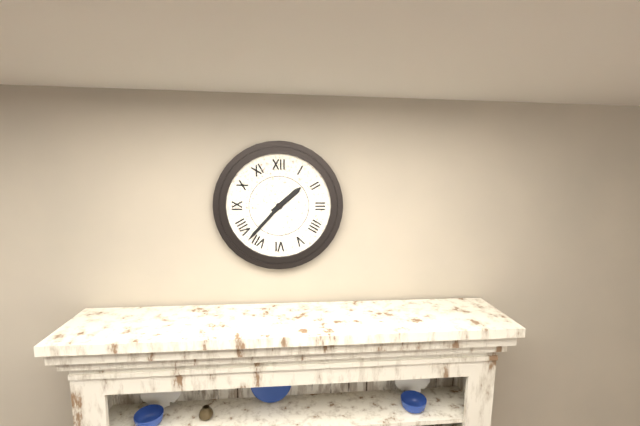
1:37
